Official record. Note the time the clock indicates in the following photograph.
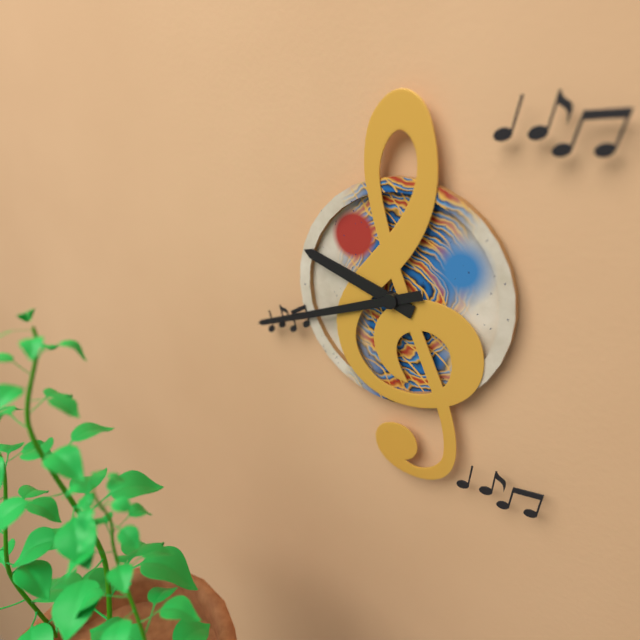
9:42
